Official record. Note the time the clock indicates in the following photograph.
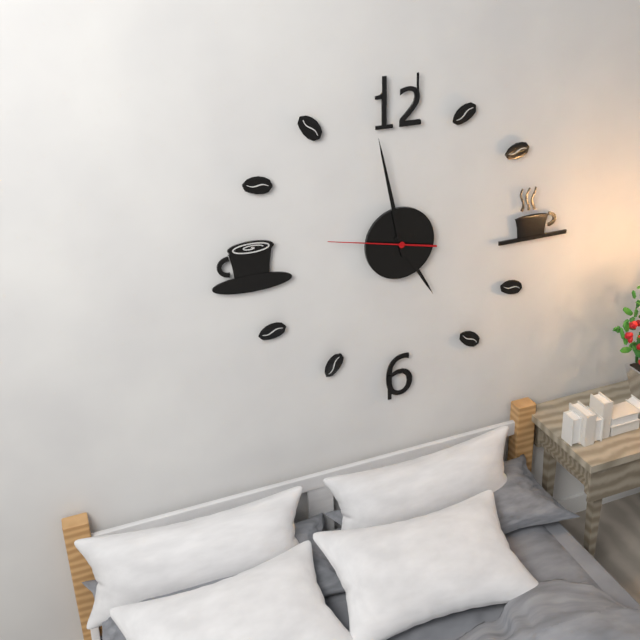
4:58:47
